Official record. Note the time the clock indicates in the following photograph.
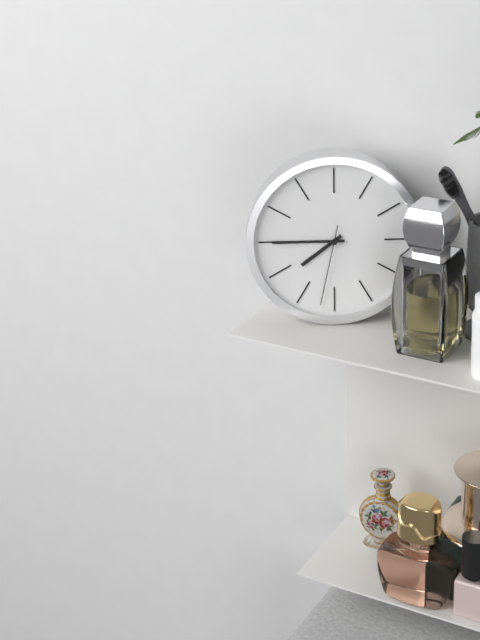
7:45:32
